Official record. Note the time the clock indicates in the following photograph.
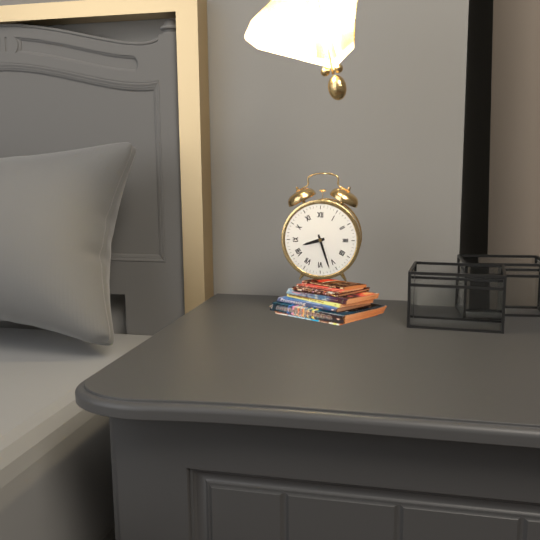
8:27
